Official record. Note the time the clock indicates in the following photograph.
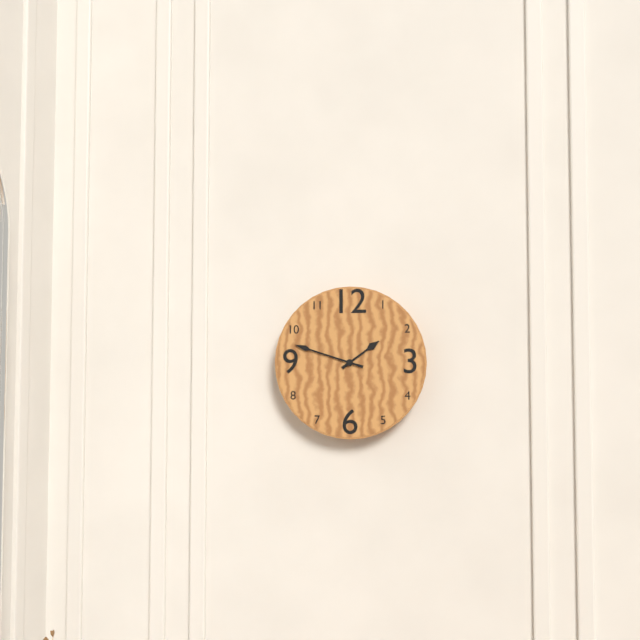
1:48
